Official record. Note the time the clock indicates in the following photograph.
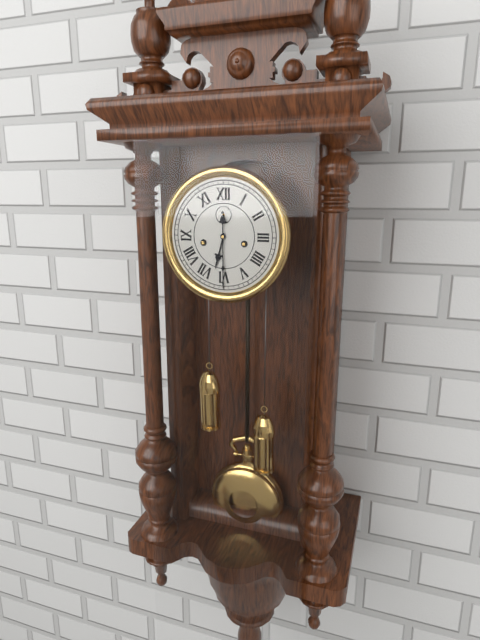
6:30
